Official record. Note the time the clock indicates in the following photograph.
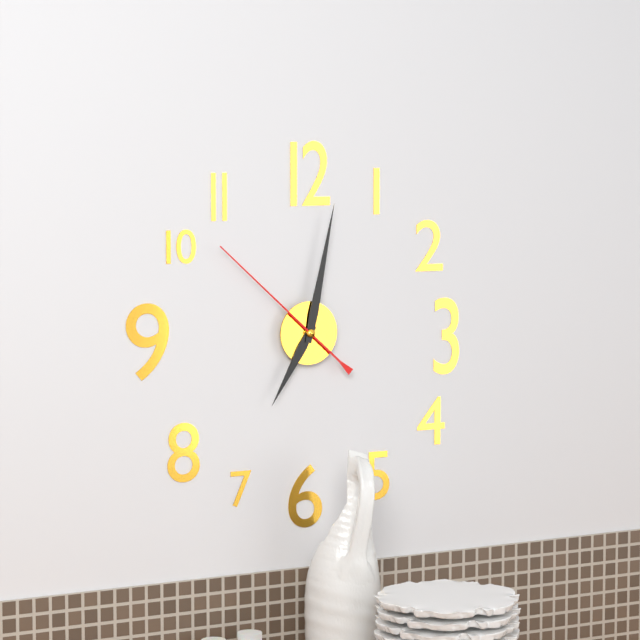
7:02:52
